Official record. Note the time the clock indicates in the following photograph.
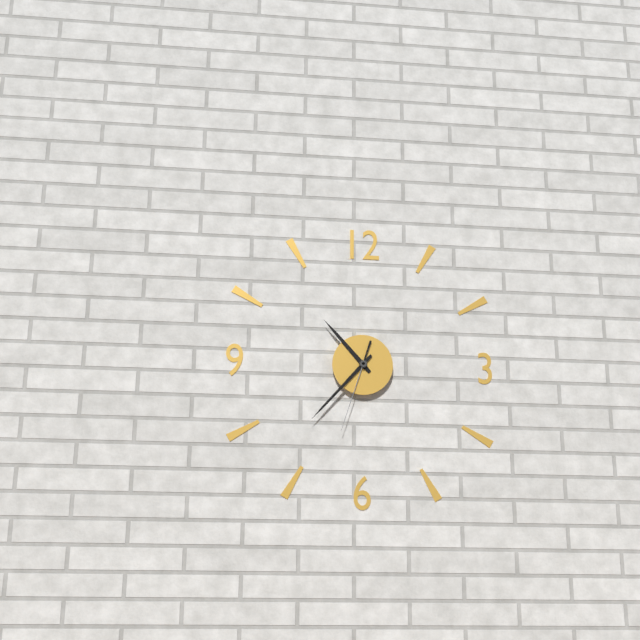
10:37:33
